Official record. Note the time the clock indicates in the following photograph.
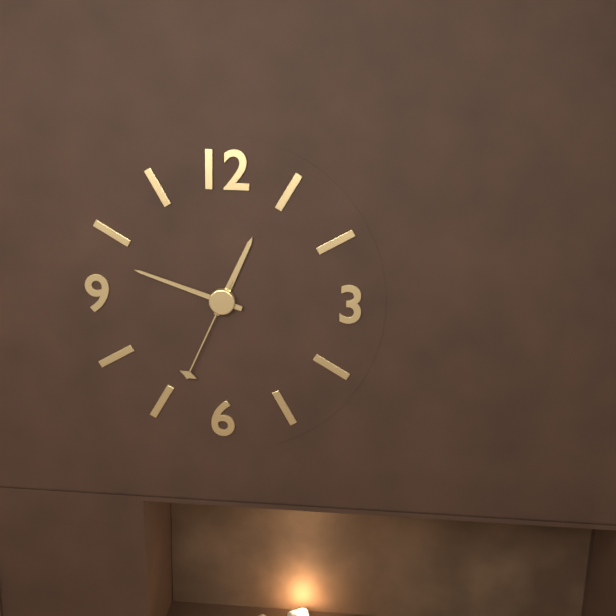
12:48:34
